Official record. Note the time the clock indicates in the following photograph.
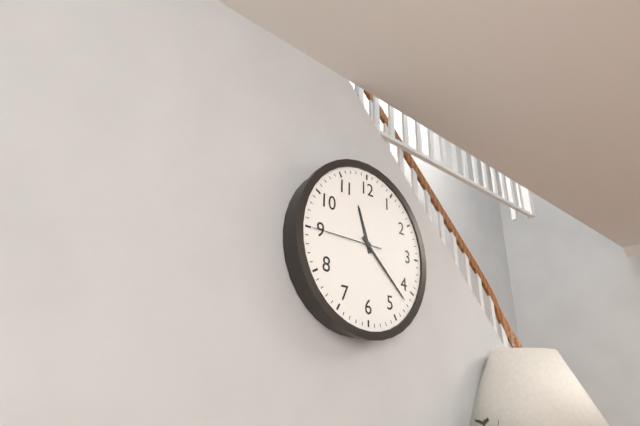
11:22:45
